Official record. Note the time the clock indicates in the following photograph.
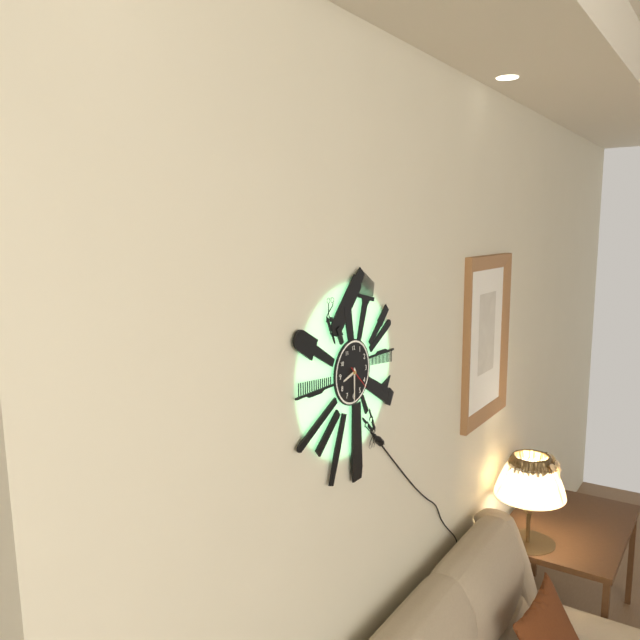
8:30
